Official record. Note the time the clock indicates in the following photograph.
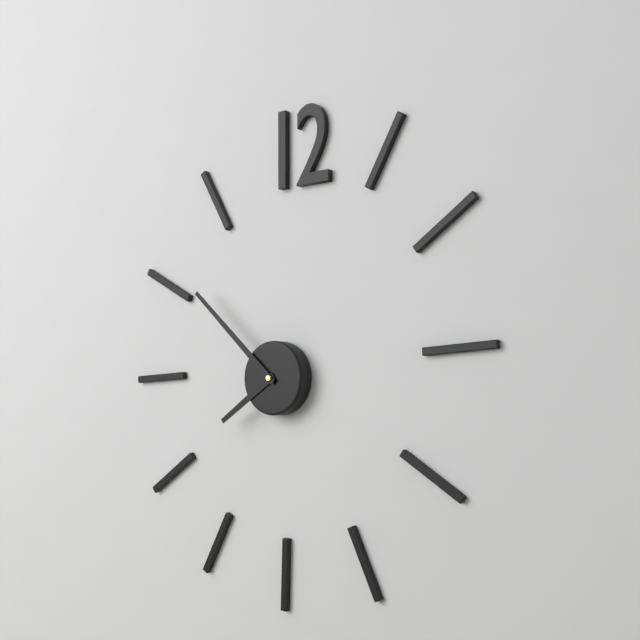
7:52
